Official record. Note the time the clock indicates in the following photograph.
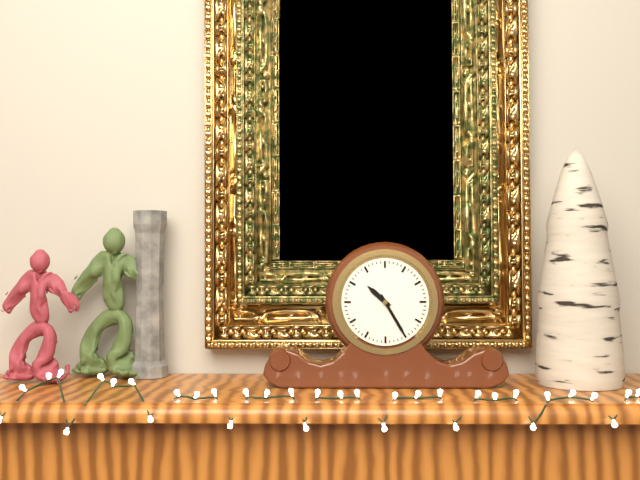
10:25
